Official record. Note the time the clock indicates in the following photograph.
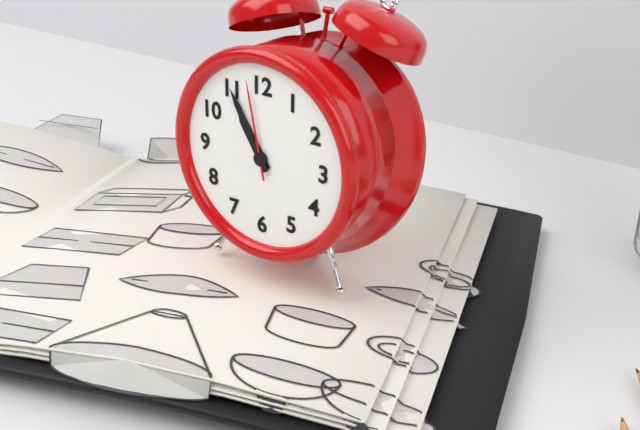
10:55:58
